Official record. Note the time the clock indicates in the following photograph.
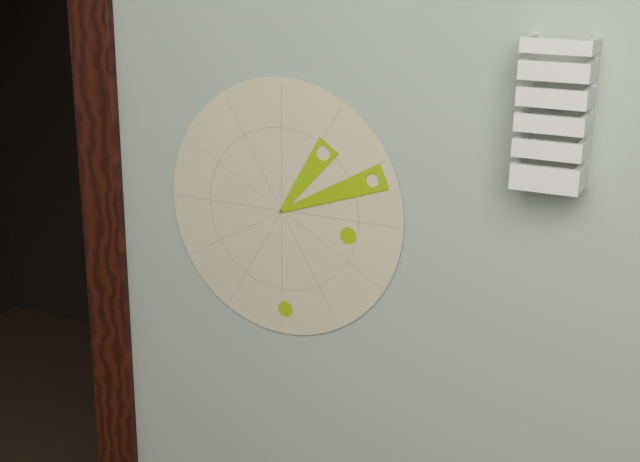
1:11
